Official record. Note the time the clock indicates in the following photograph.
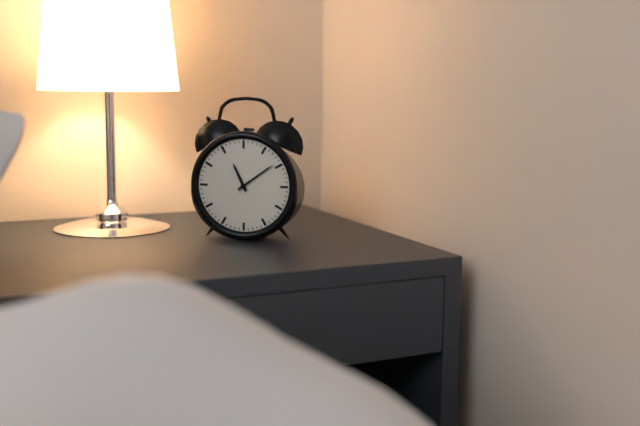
11:09
